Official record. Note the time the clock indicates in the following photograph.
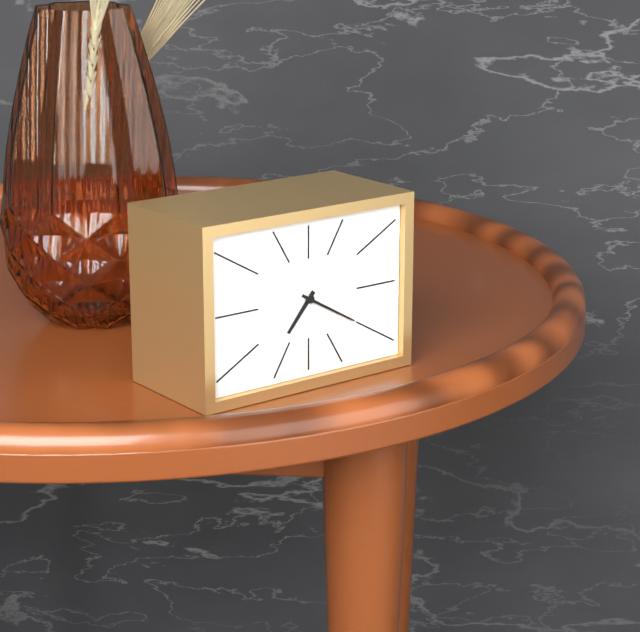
7:20
